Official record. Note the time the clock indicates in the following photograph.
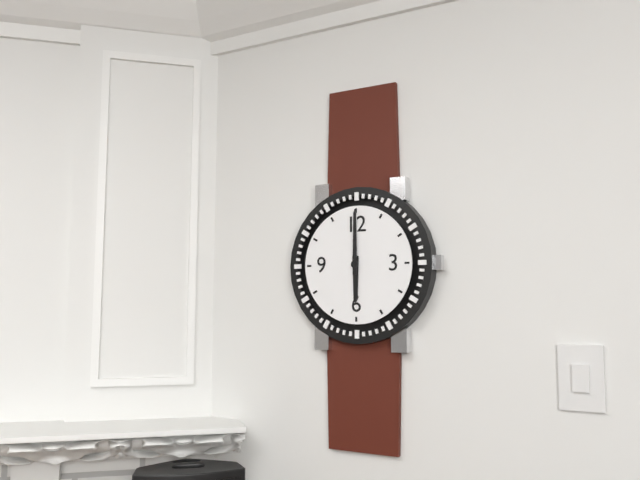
6:00
